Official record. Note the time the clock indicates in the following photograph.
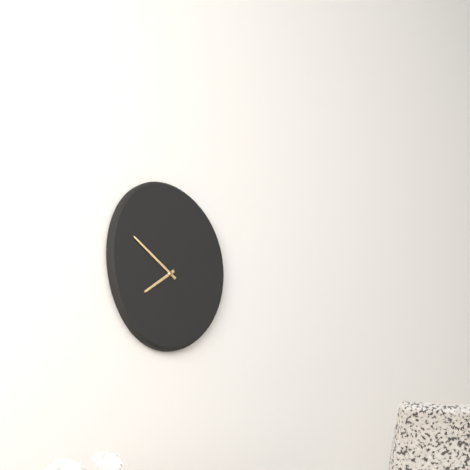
7:51
